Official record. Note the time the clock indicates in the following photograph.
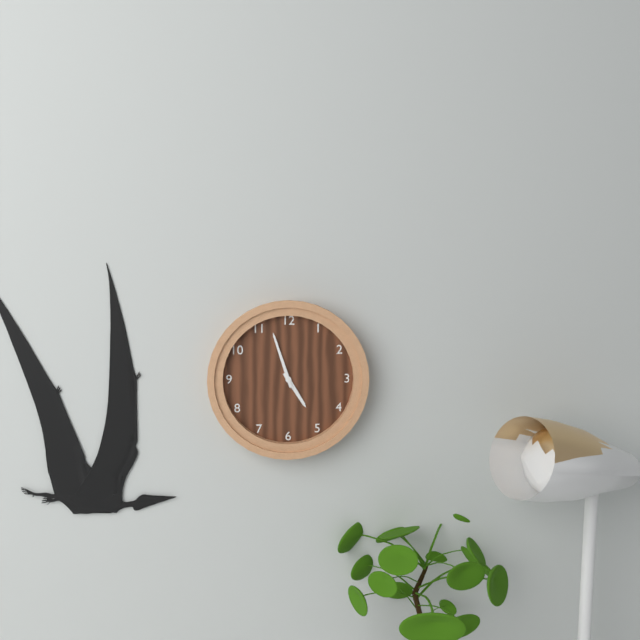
4:57
